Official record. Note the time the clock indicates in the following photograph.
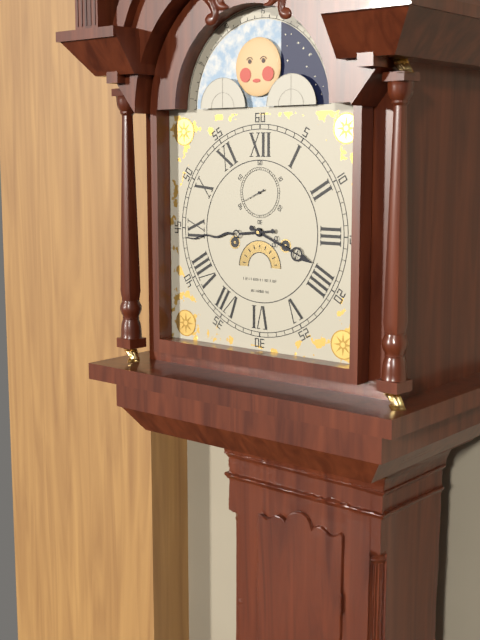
3:44
